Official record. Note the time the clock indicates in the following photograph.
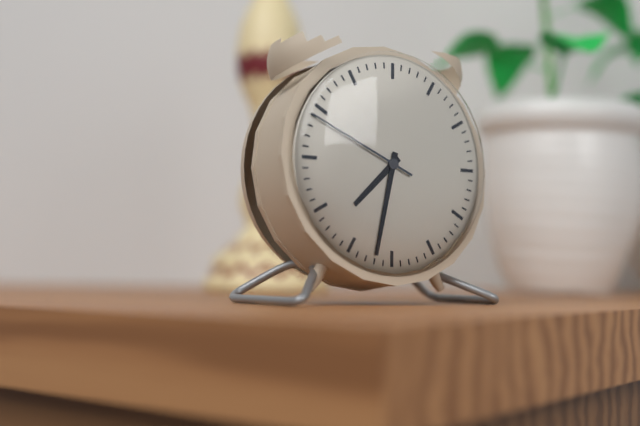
7:32:49
